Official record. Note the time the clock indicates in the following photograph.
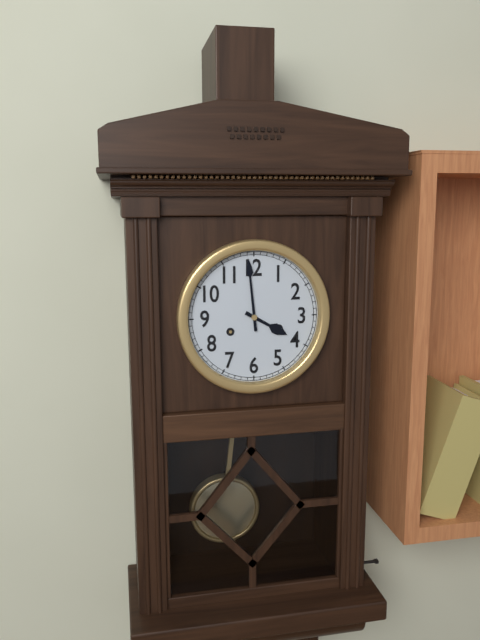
3:59
